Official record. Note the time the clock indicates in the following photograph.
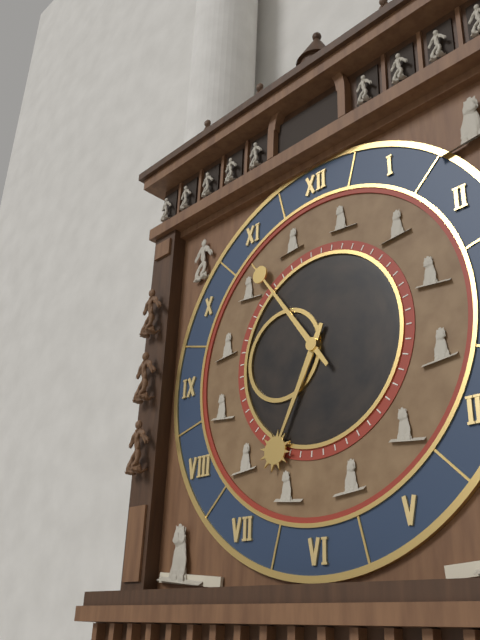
6:54
